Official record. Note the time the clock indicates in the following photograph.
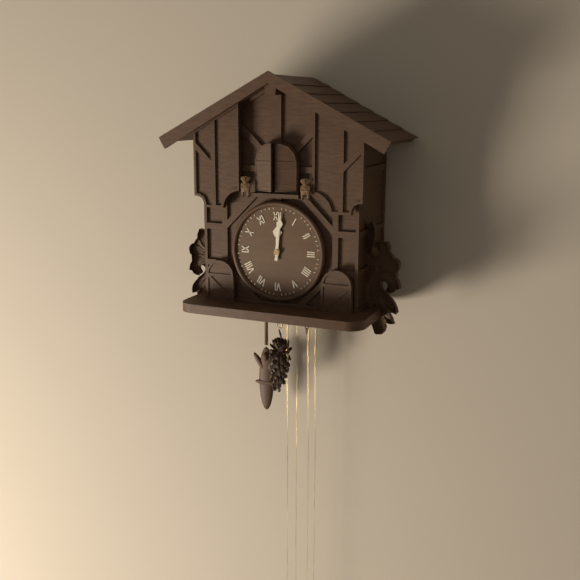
12:01
